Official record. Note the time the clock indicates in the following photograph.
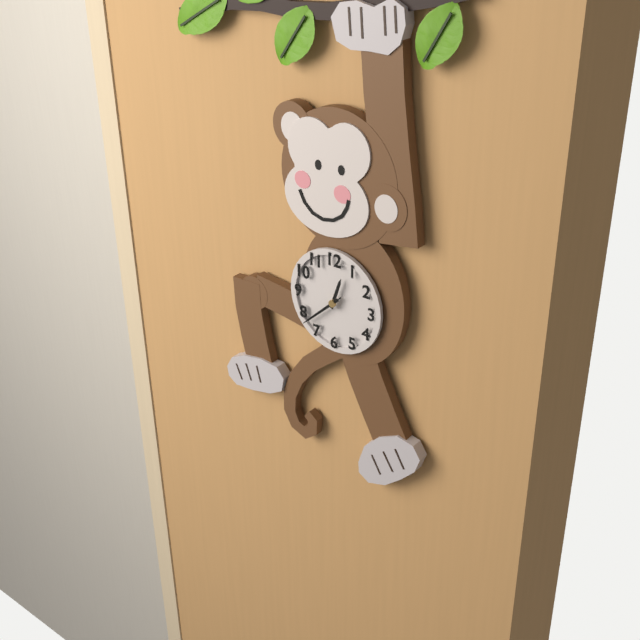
12:38:38
